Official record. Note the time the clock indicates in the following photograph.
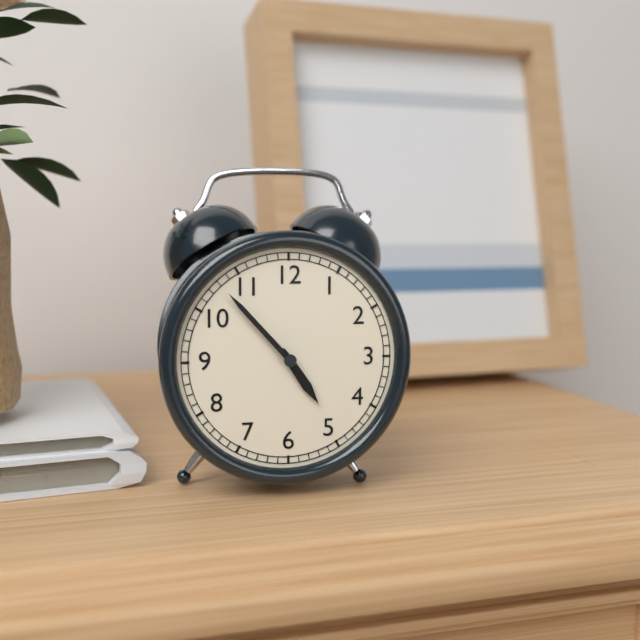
4:53
